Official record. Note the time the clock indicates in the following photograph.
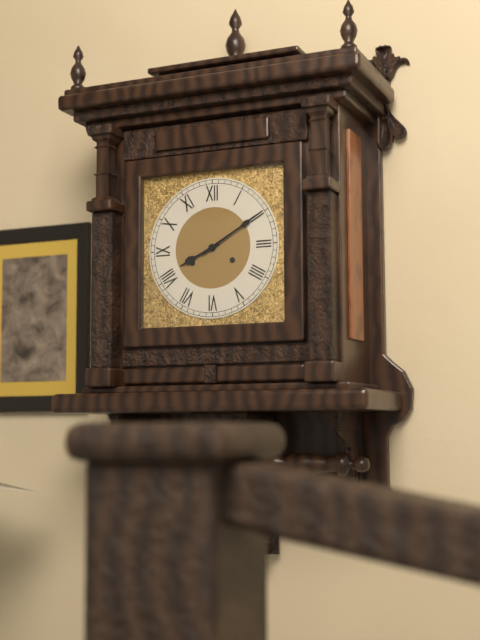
8:10
